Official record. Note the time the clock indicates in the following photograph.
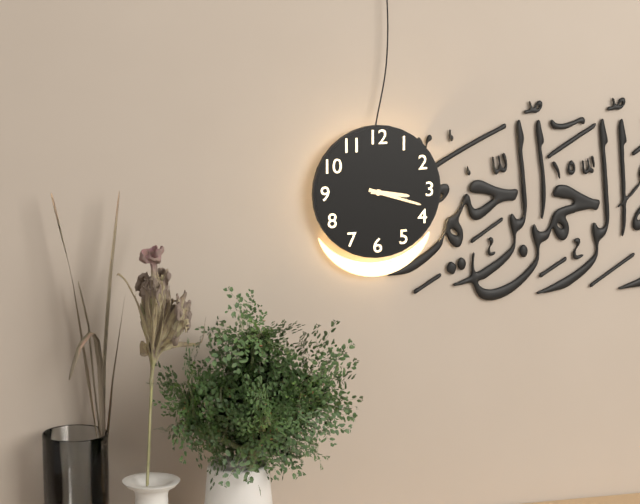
3:18
